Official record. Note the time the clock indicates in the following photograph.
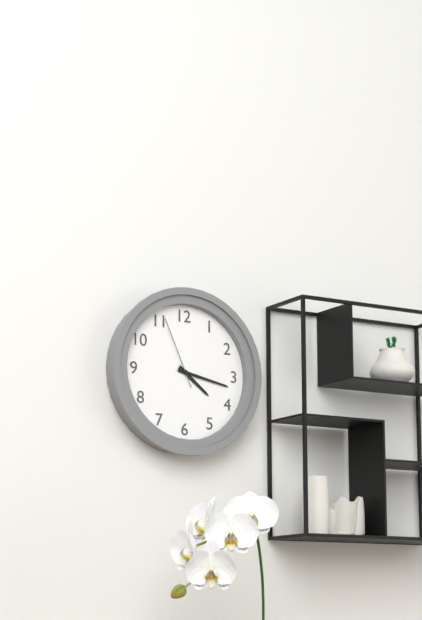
4:17:56
